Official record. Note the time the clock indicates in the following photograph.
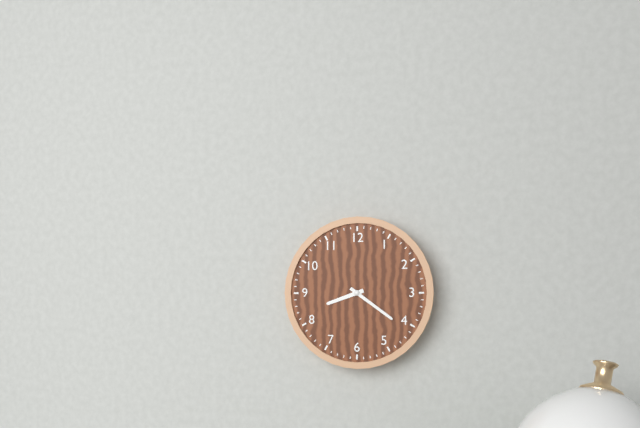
8:21
